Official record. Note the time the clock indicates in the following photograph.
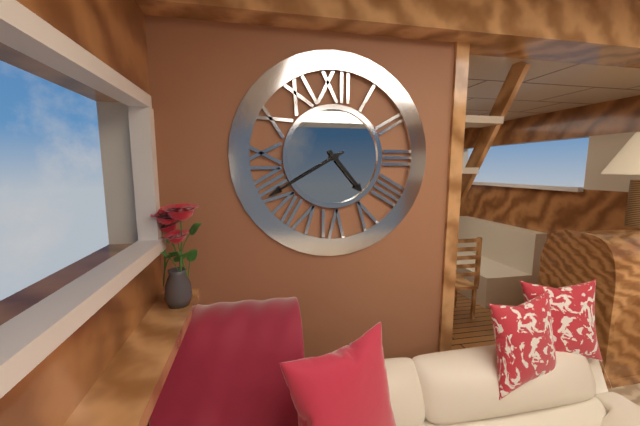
4:40
